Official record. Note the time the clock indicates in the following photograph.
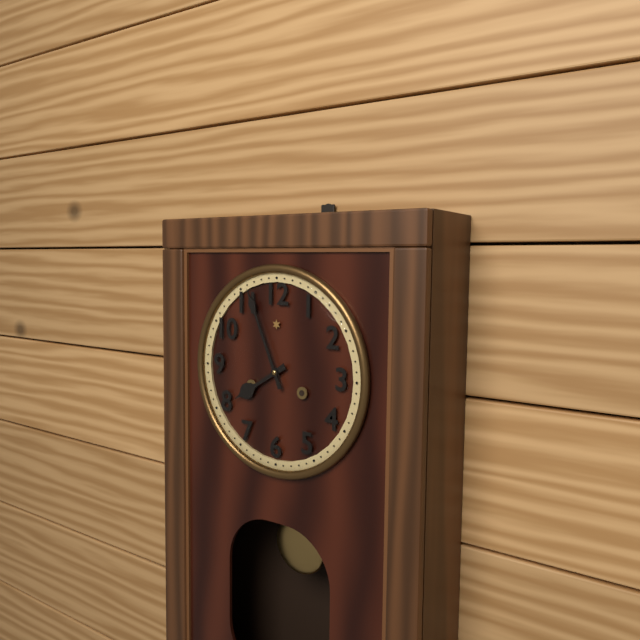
7:56
